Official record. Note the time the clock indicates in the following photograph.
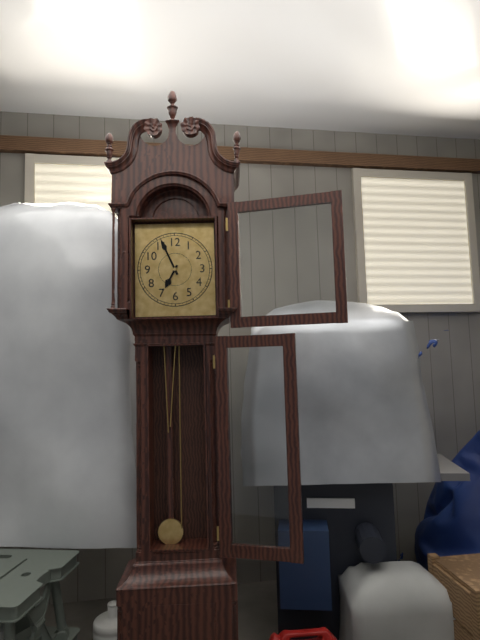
6:56
